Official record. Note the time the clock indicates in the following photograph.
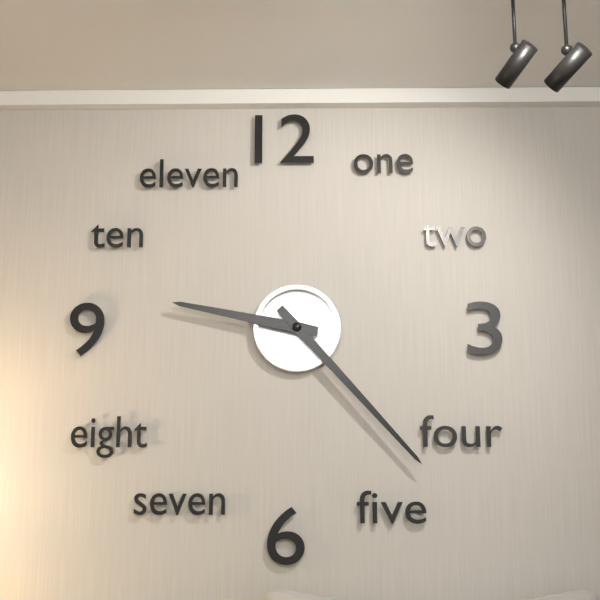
9:23
